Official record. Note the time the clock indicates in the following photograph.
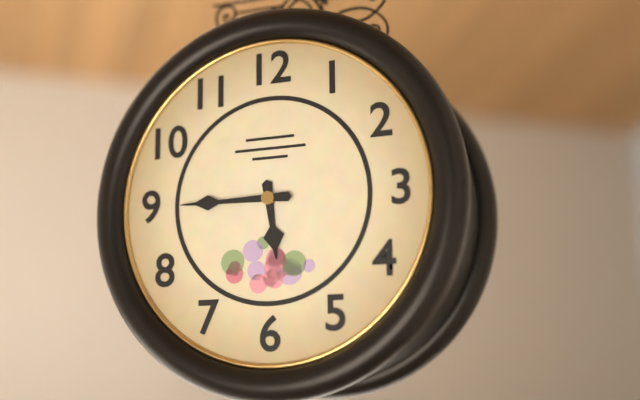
5:45
